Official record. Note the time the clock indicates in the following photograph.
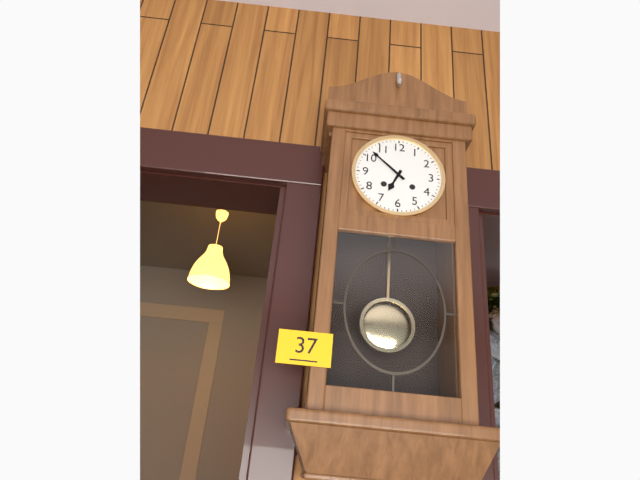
6:52
